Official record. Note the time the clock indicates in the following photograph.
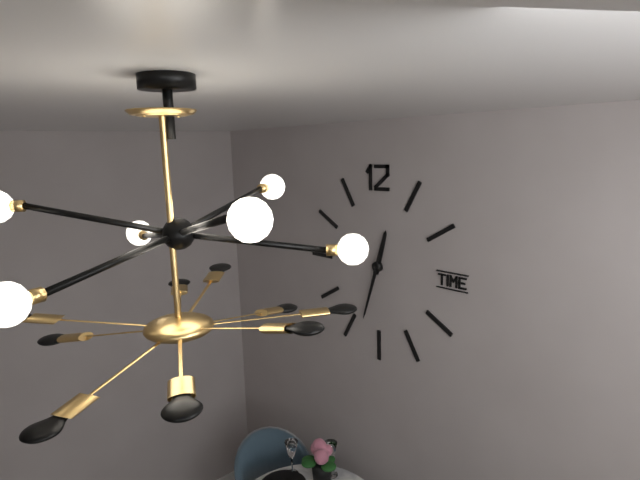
12:33
